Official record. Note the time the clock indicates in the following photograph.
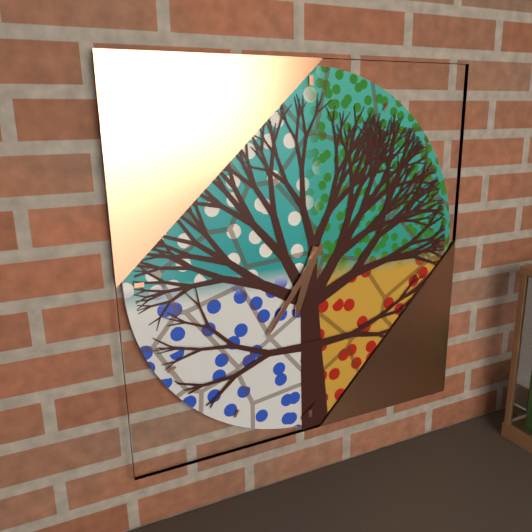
6:36
